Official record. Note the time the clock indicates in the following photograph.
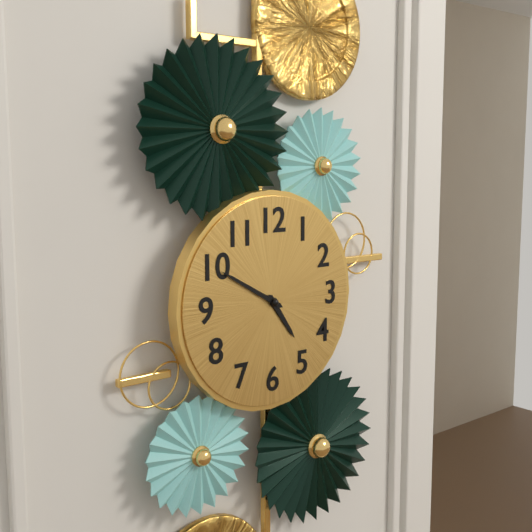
4:50
